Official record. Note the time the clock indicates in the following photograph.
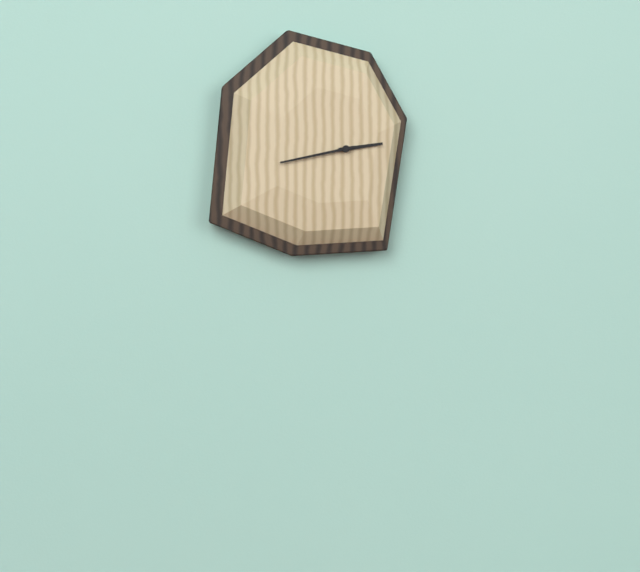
2:43
